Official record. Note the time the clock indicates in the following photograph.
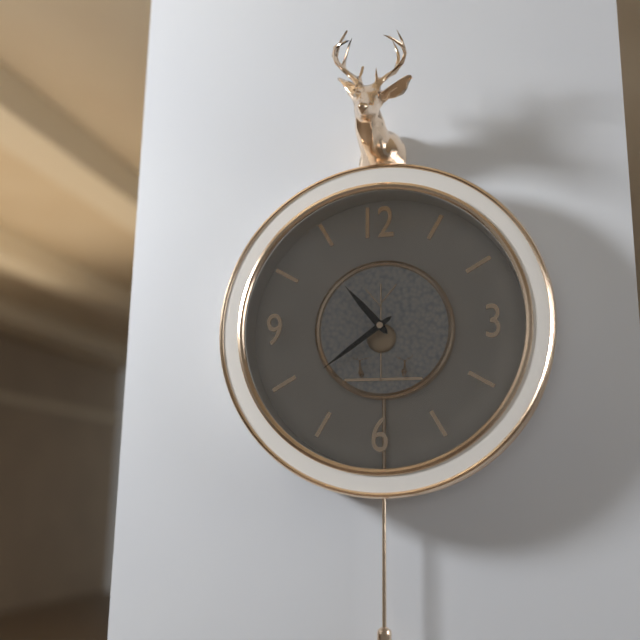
10:39
